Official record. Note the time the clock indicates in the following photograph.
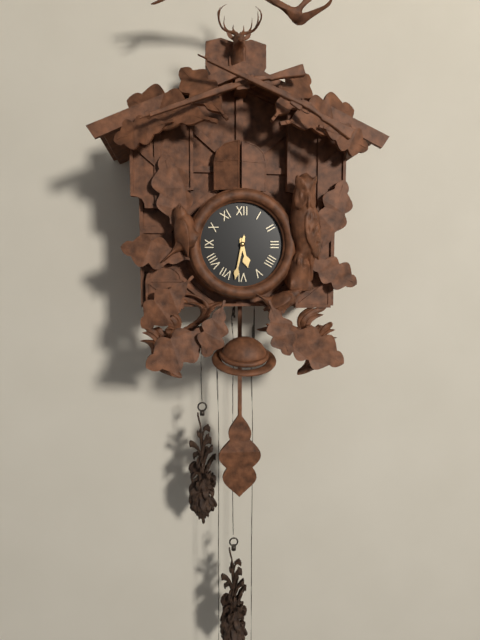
5:32
